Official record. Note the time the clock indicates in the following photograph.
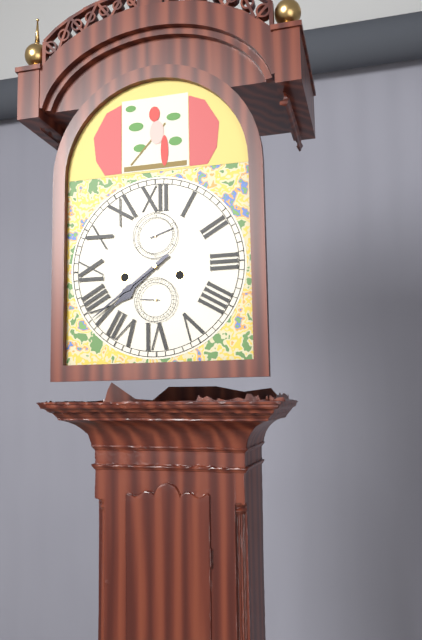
7:39
